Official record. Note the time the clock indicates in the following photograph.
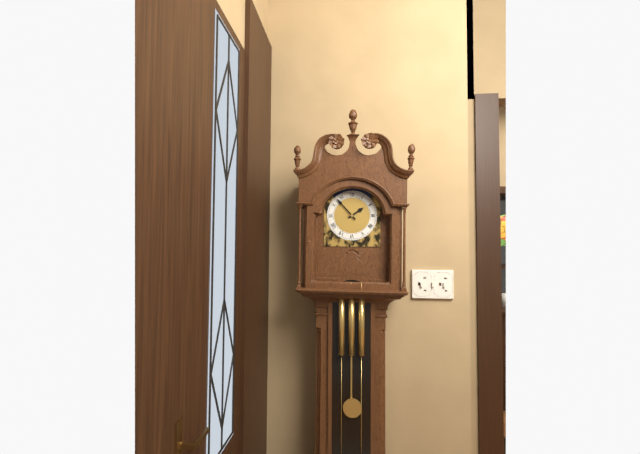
1:53
